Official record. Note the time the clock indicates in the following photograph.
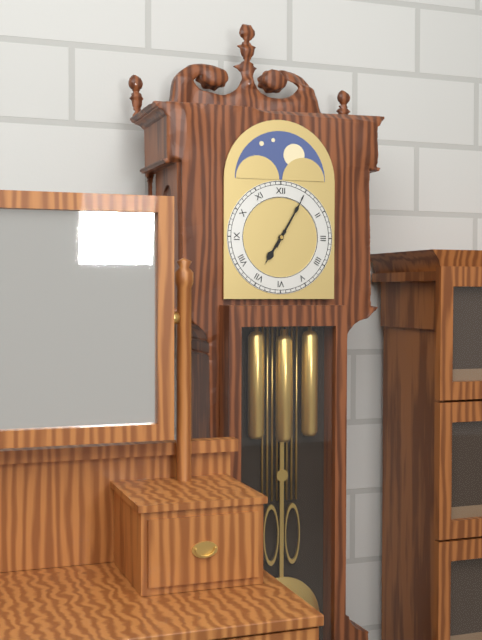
7:05
